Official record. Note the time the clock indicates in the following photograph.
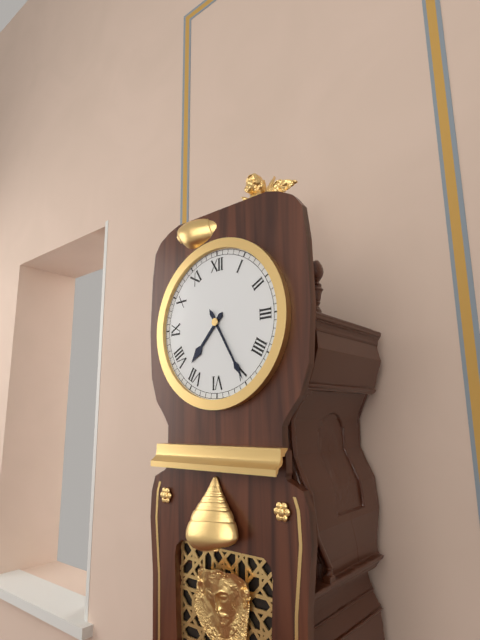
7:25
